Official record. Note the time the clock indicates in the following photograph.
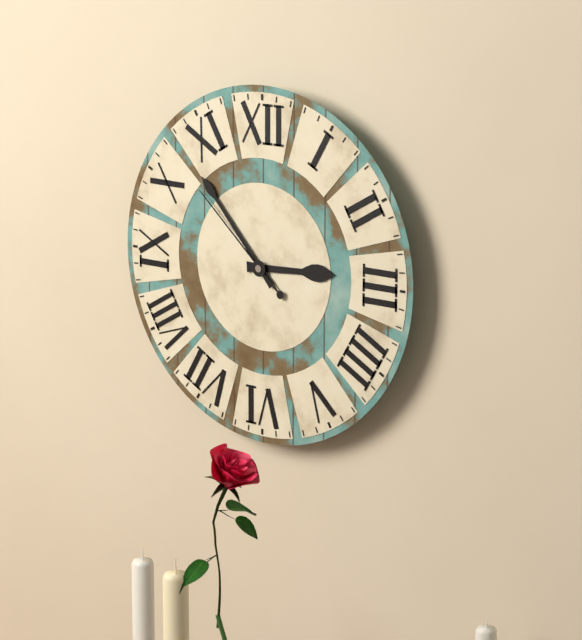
2:53:52
